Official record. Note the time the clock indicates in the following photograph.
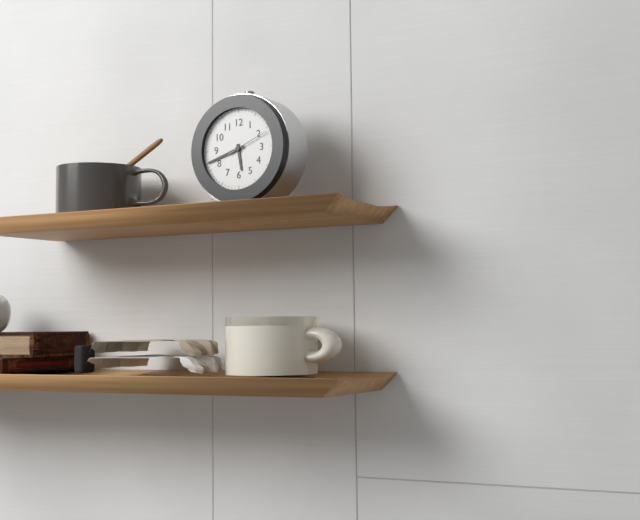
5:42
